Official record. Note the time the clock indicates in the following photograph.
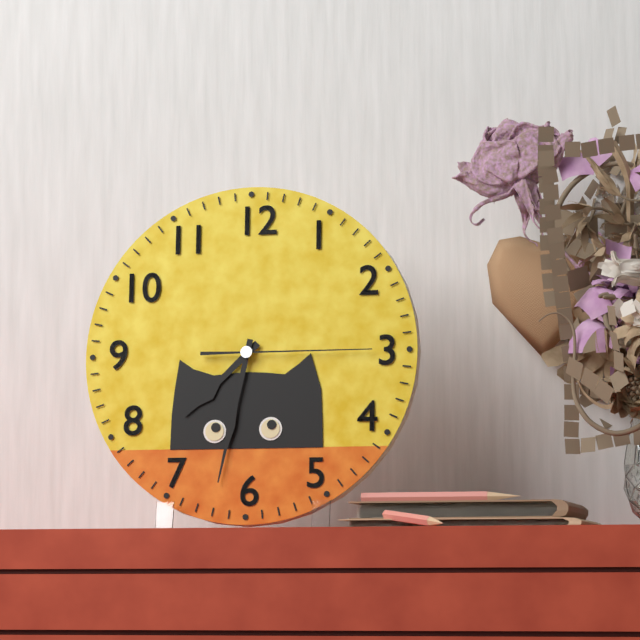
7:32:15
